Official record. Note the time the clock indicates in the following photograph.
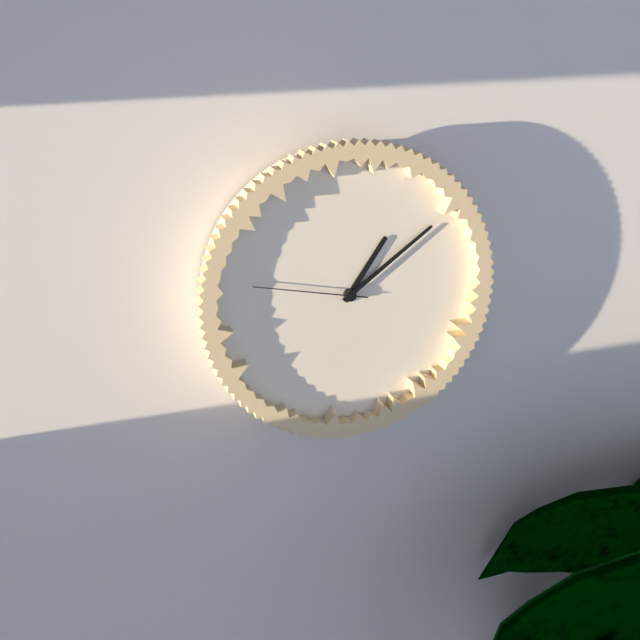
1:09:47
